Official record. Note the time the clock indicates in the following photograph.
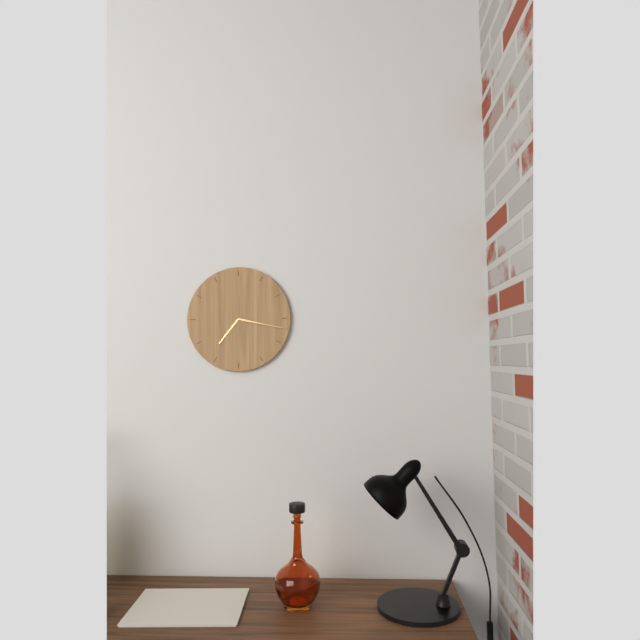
7:17
